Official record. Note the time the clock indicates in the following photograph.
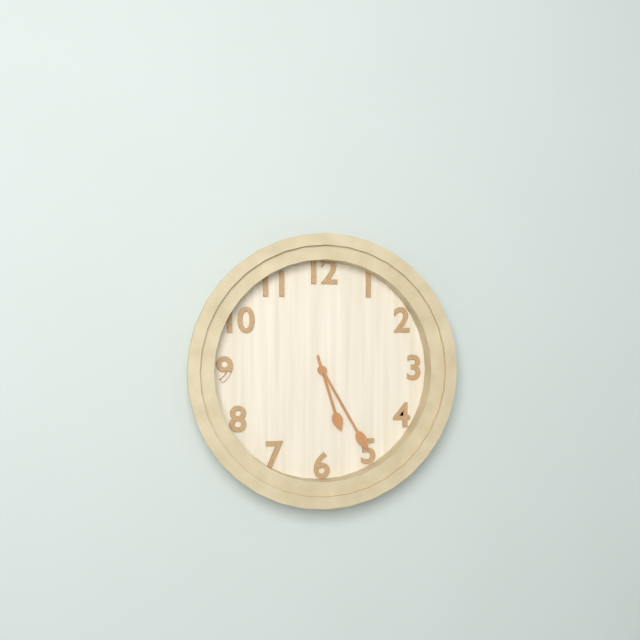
5:25
